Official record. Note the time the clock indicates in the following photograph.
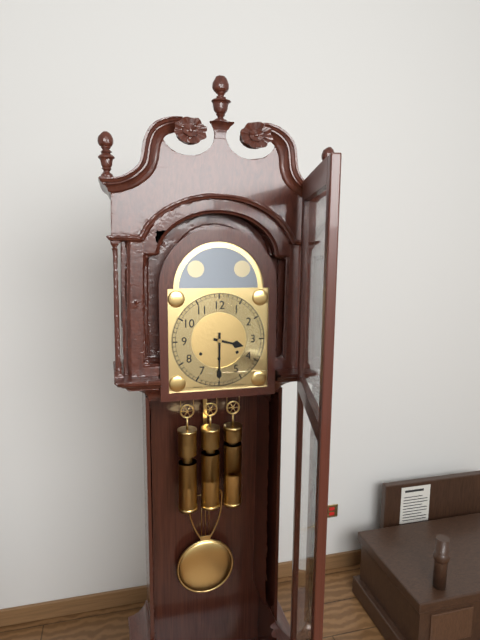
3:30
